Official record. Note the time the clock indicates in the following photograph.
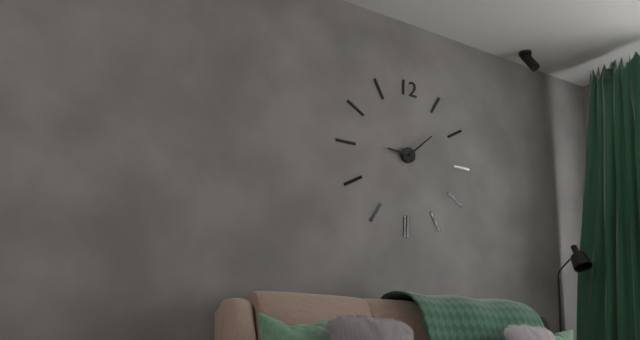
9:08
